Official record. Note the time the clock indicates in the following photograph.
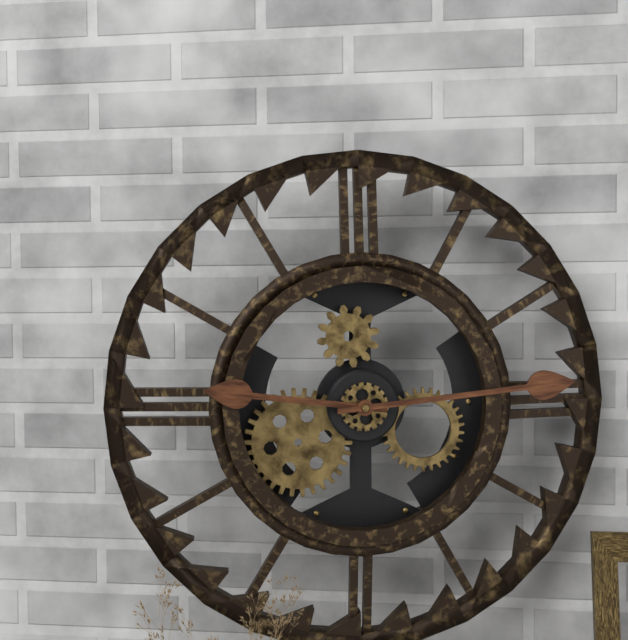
9:14
